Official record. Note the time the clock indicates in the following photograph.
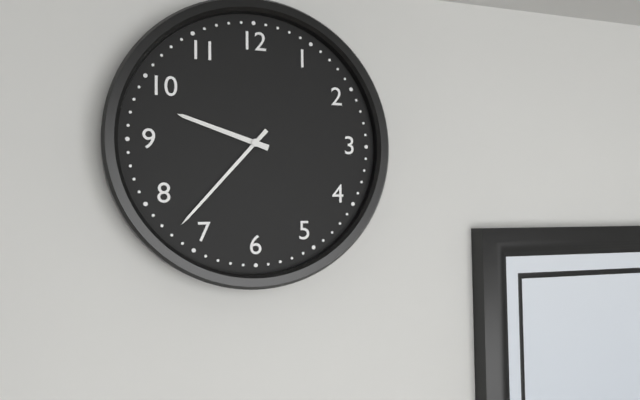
9:37
